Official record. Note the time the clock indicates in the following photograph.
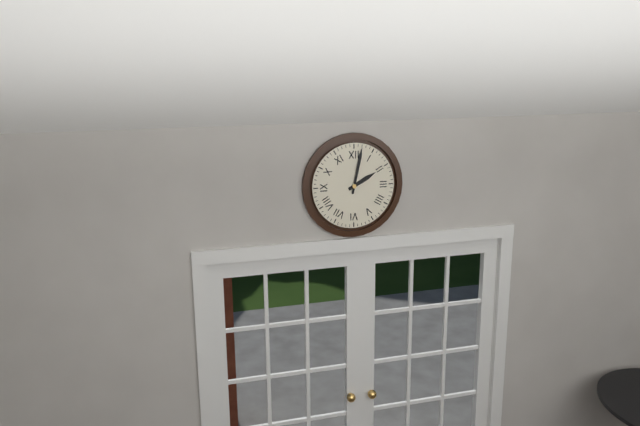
2:02
